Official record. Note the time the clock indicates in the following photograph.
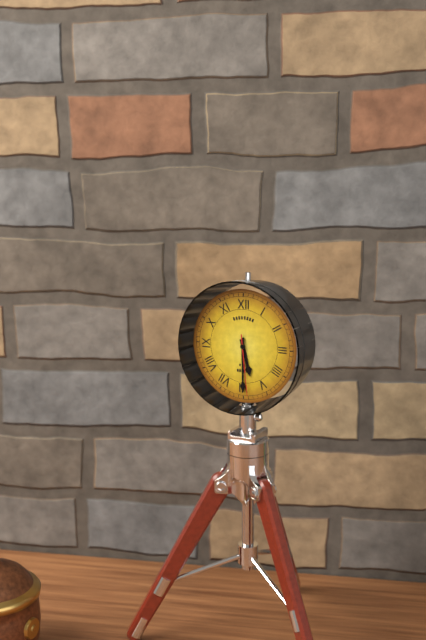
5:30:29
